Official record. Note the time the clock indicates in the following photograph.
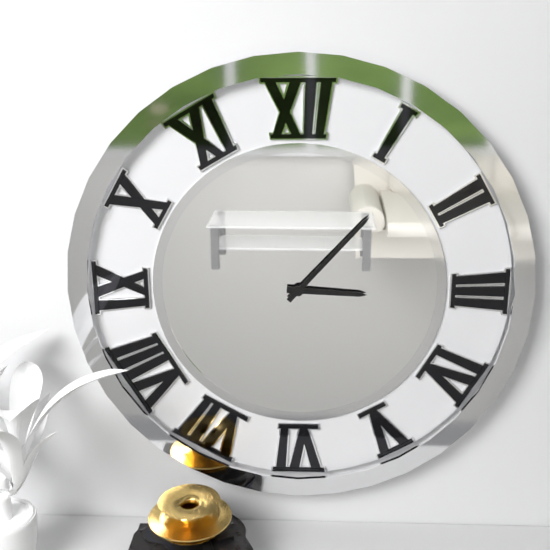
3:07
